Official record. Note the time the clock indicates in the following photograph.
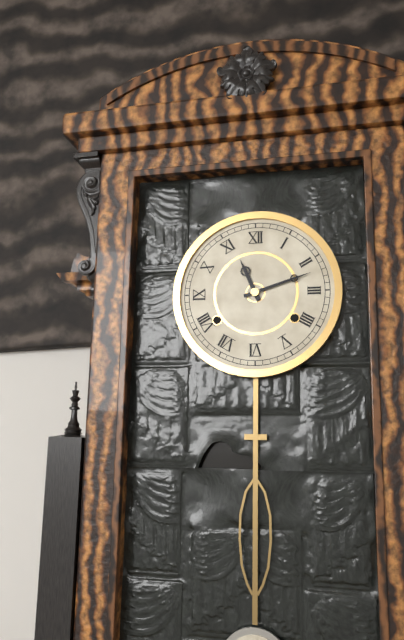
11:12
